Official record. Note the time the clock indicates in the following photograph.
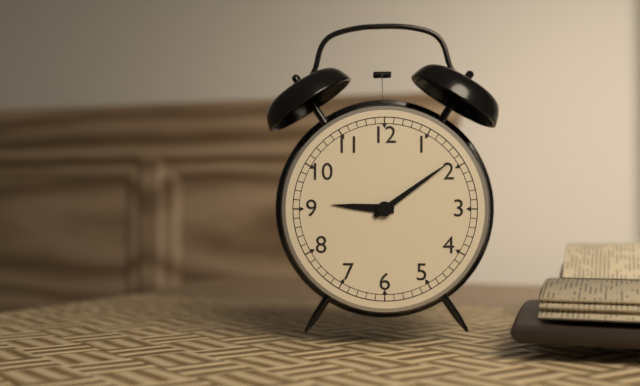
9:09
